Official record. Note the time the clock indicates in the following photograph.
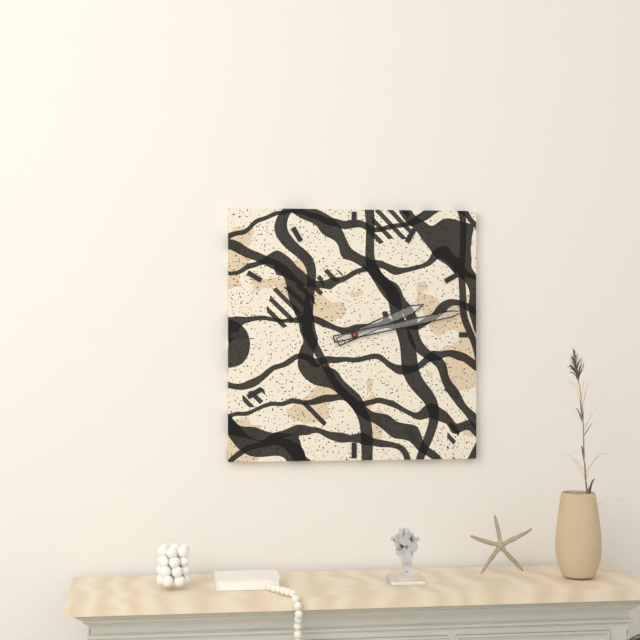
2:13
